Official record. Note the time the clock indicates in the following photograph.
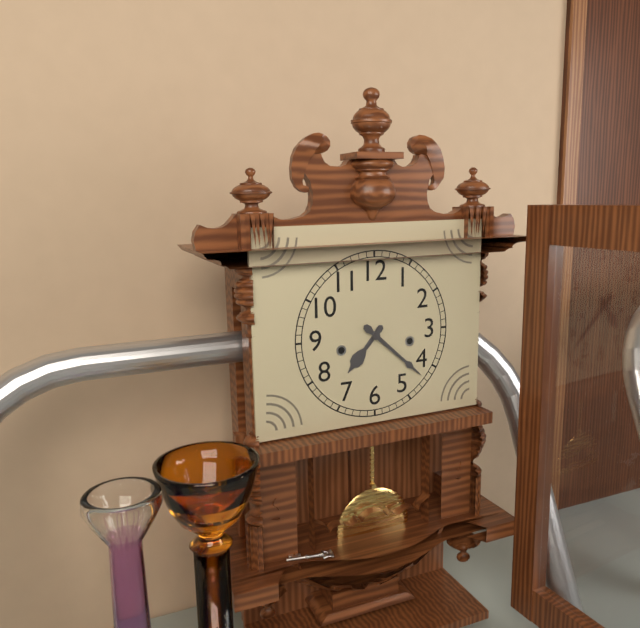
7:22
